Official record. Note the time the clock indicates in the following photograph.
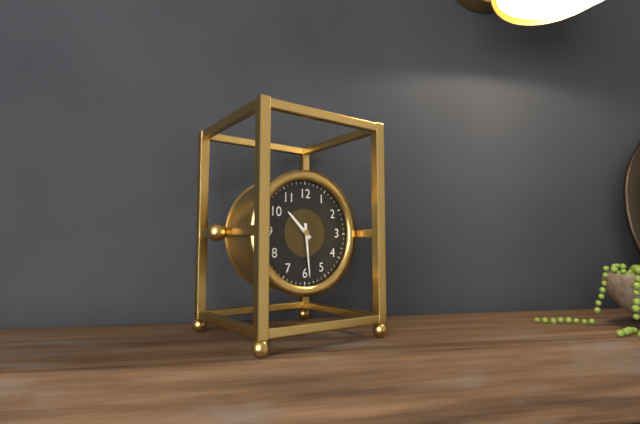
10:29
